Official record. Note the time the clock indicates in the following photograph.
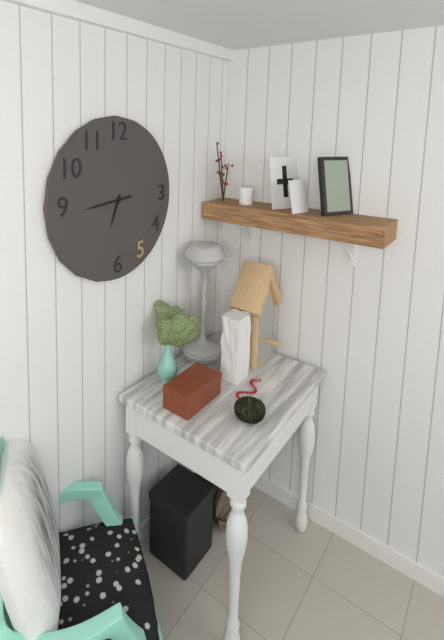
6:44
